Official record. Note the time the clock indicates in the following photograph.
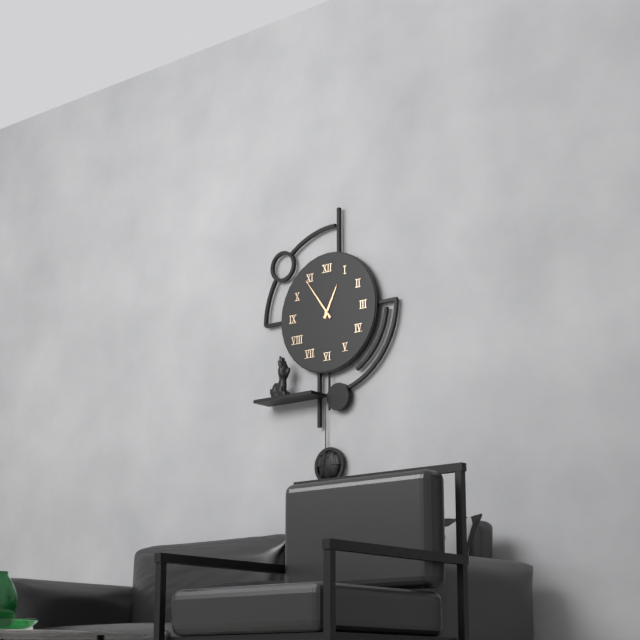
12:54
